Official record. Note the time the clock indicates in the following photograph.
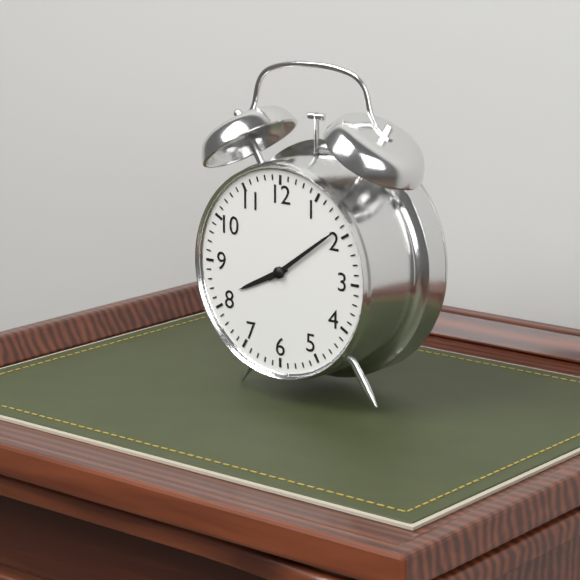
8:09
